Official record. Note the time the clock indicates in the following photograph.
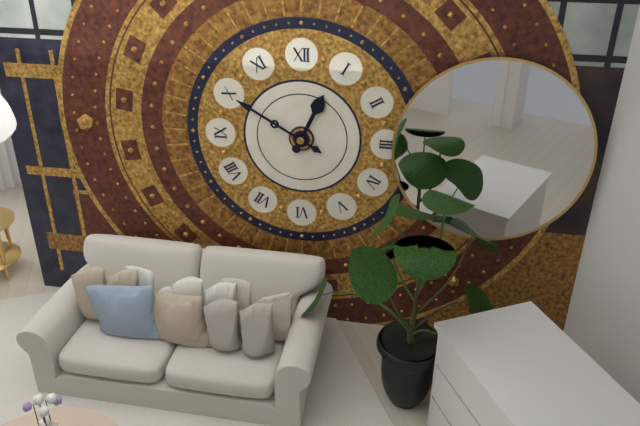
12:50
